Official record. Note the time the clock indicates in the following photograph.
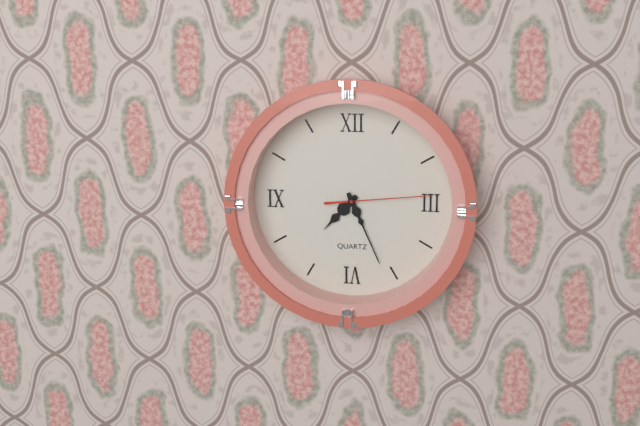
7:26:14
